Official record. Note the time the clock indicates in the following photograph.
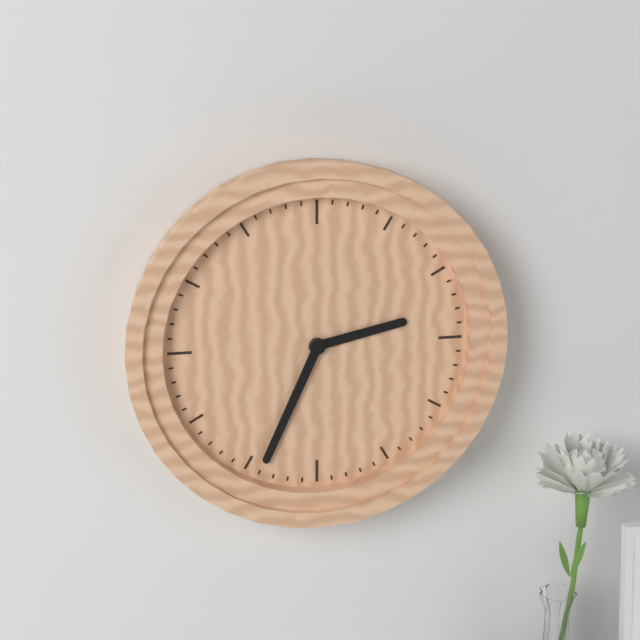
2:34
